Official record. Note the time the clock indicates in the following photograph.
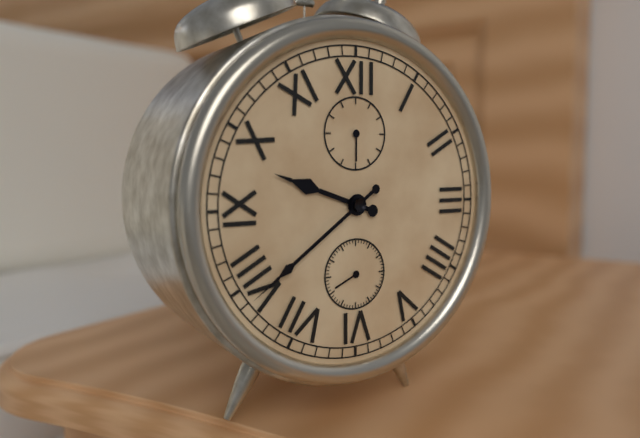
9:39
